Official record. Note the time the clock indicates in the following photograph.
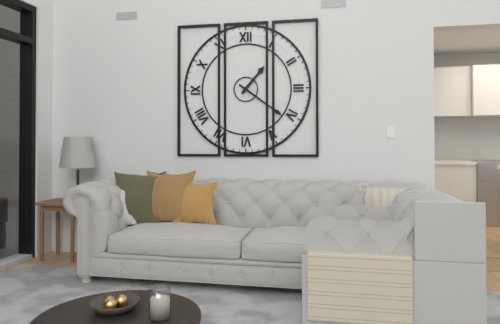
1:21
